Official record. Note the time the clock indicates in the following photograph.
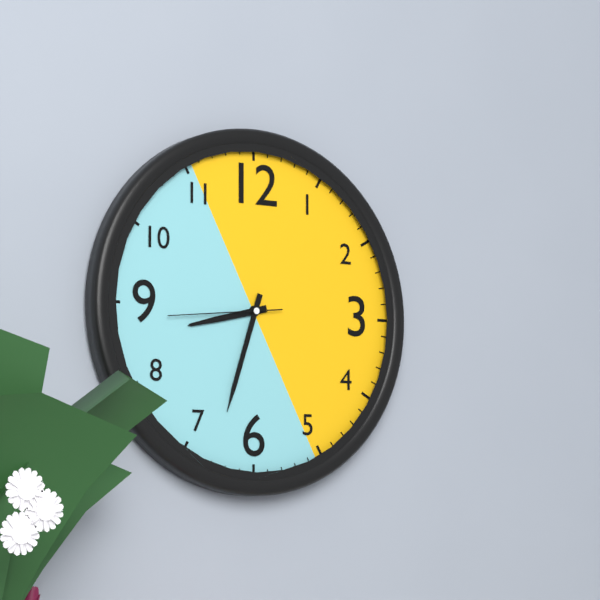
8:33:44
